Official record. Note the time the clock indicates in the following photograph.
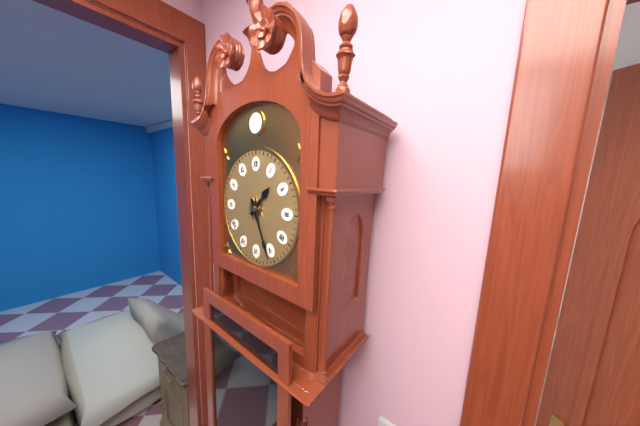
1:26
